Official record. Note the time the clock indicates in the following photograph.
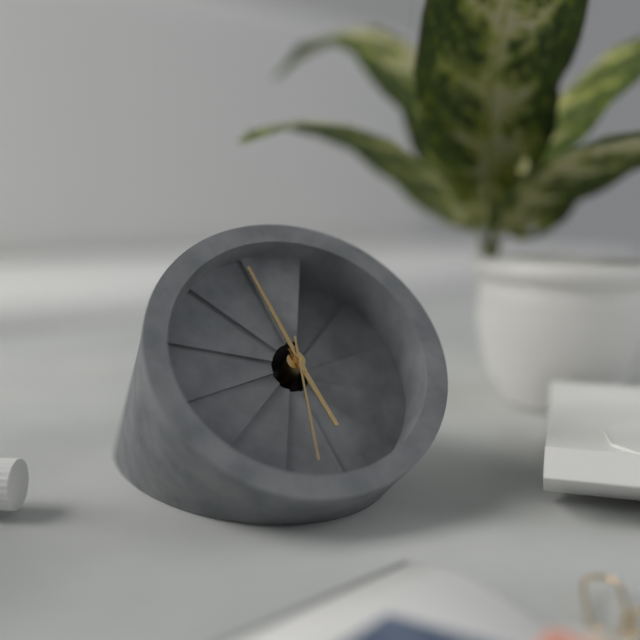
4:55:28
